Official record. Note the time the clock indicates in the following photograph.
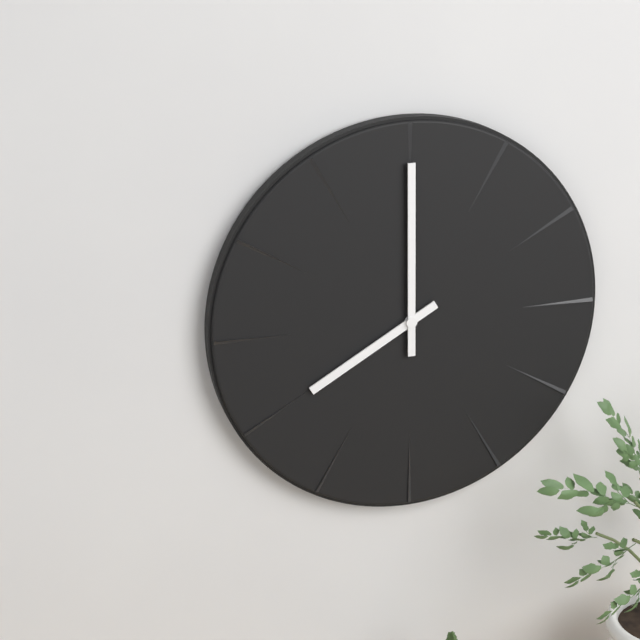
8:00
